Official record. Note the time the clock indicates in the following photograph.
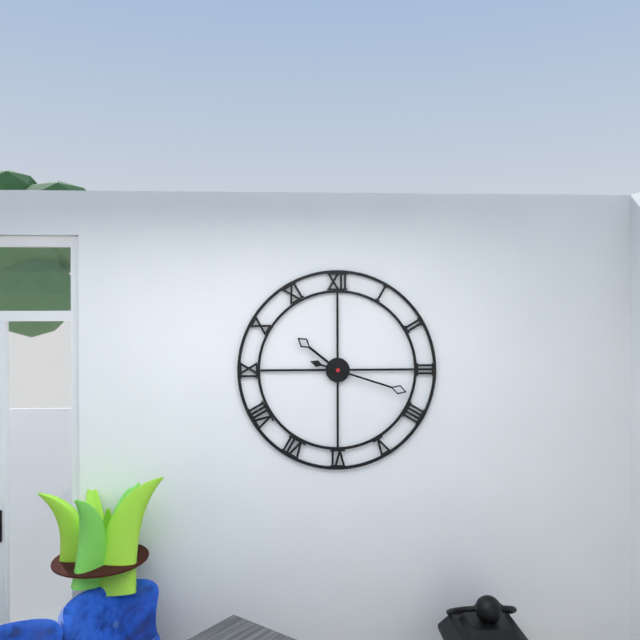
10:18
